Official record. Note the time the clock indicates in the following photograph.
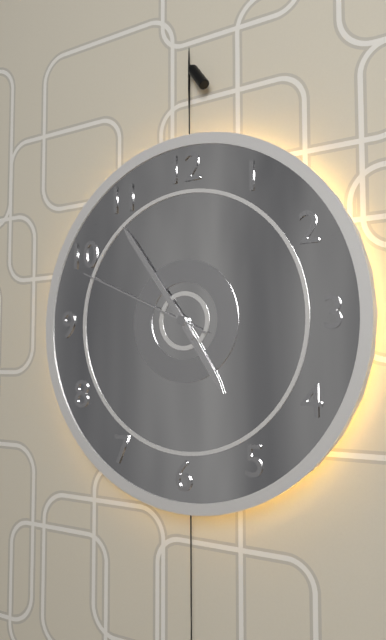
4:54:49
